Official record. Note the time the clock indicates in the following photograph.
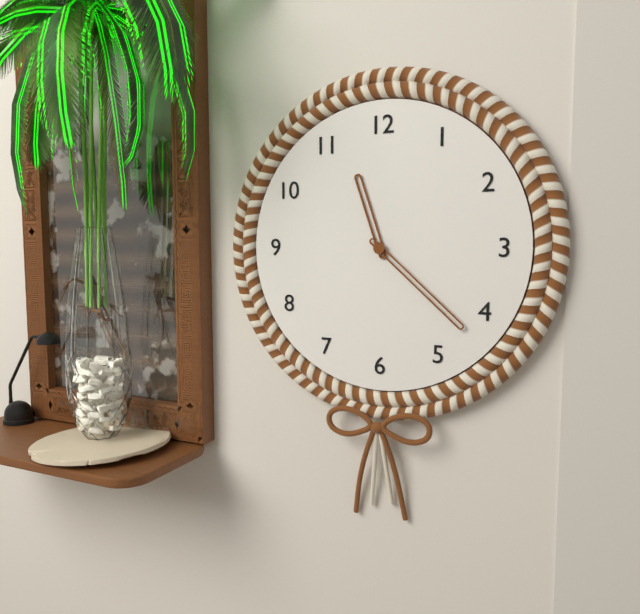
11:22
